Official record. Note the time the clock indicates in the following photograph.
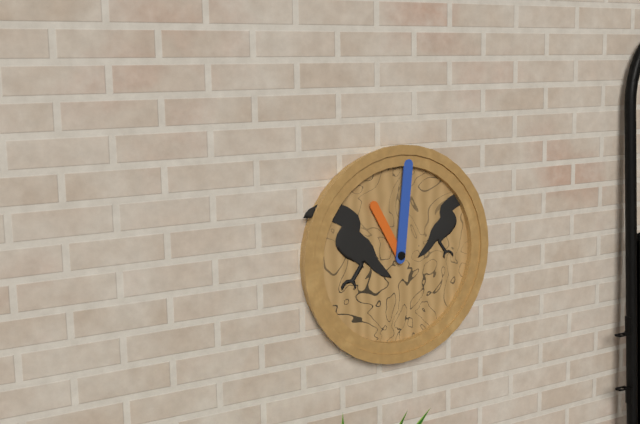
11:01
